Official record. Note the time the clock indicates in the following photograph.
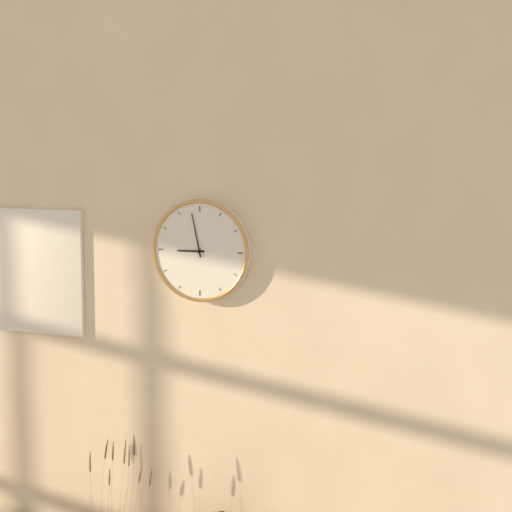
8:58
